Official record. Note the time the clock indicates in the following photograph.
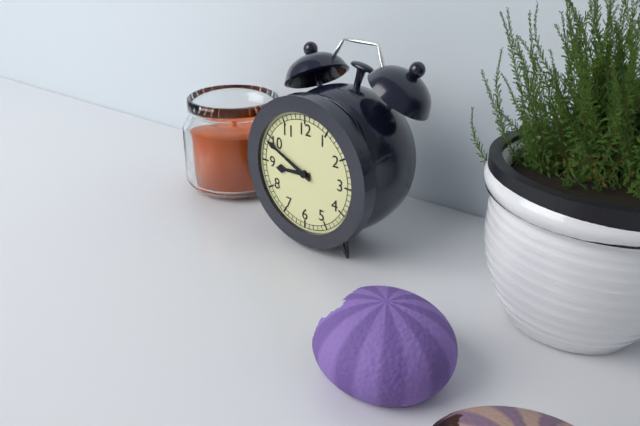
8:49
